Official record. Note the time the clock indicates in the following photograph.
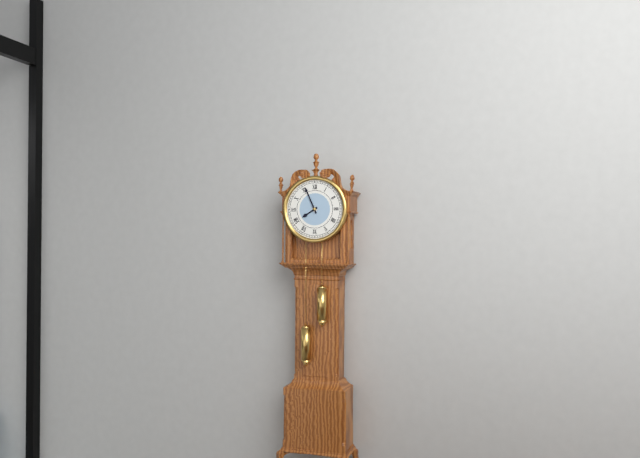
7:56
